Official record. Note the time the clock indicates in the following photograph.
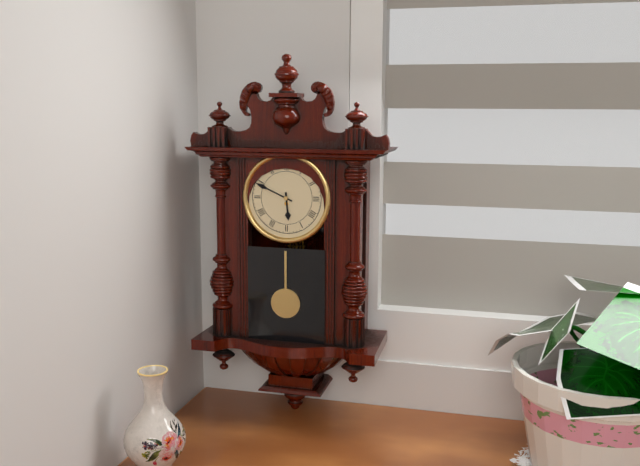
5:49
